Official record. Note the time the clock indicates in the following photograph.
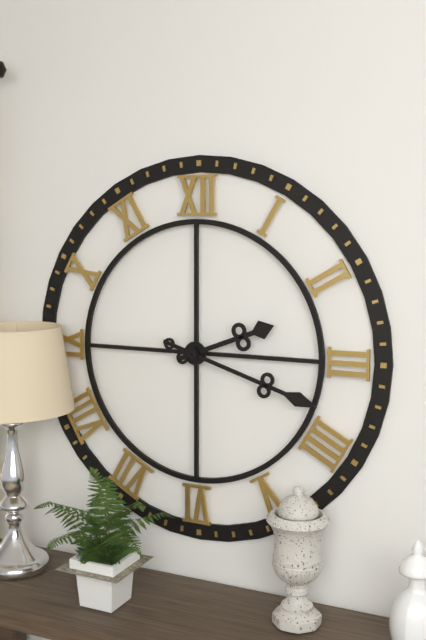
2:18
